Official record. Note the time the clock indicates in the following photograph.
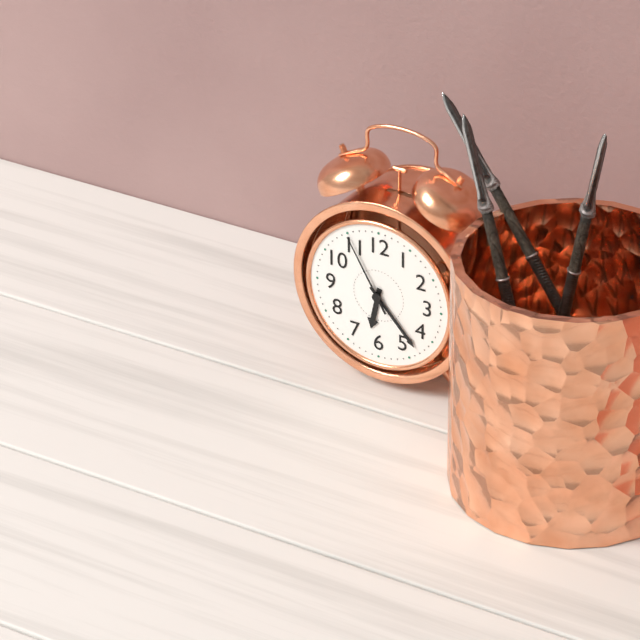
6:23:55
